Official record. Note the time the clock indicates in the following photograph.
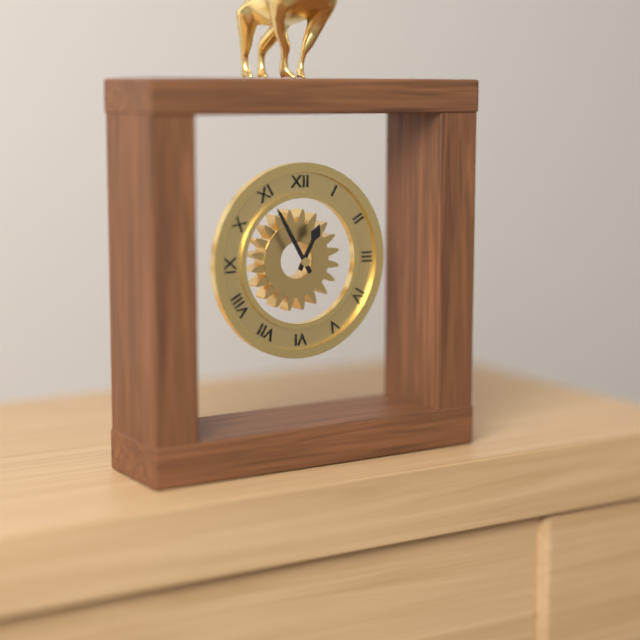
12:55
